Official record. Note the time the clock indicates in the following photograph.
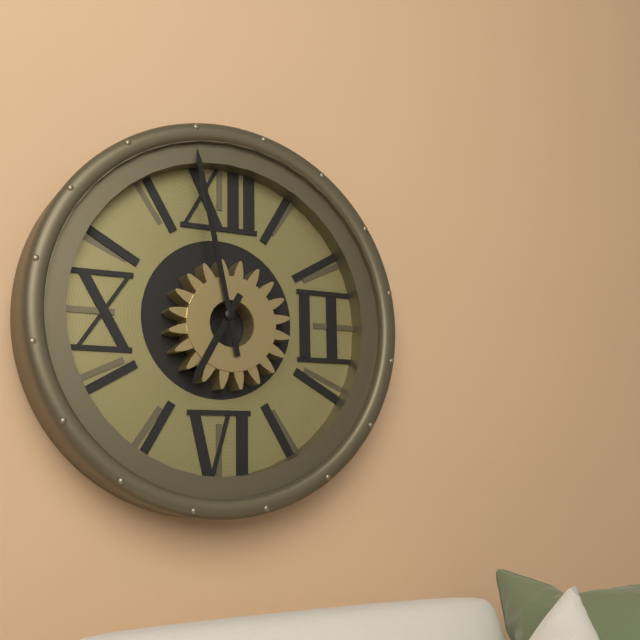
6:58
